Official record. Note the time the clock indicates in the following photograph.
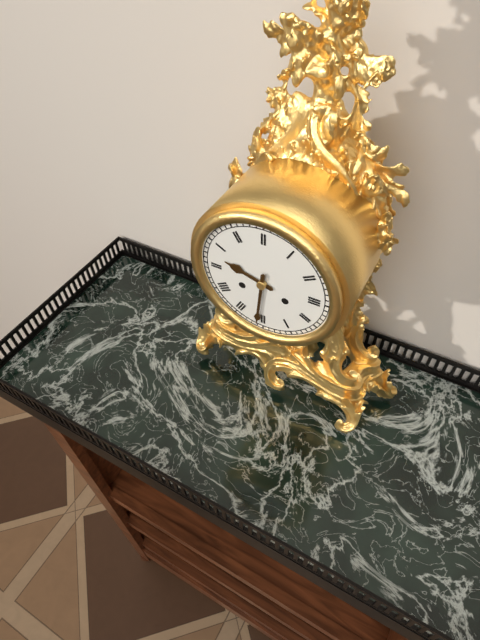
9:31
